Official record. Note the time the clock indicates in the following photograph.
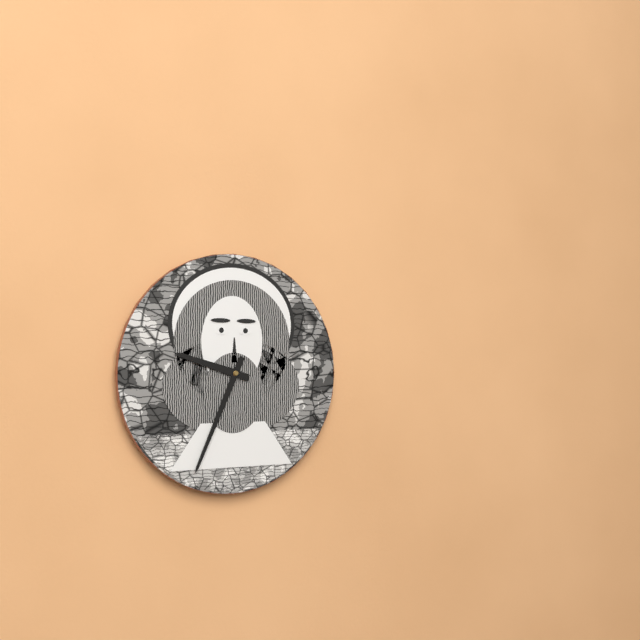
9:34
